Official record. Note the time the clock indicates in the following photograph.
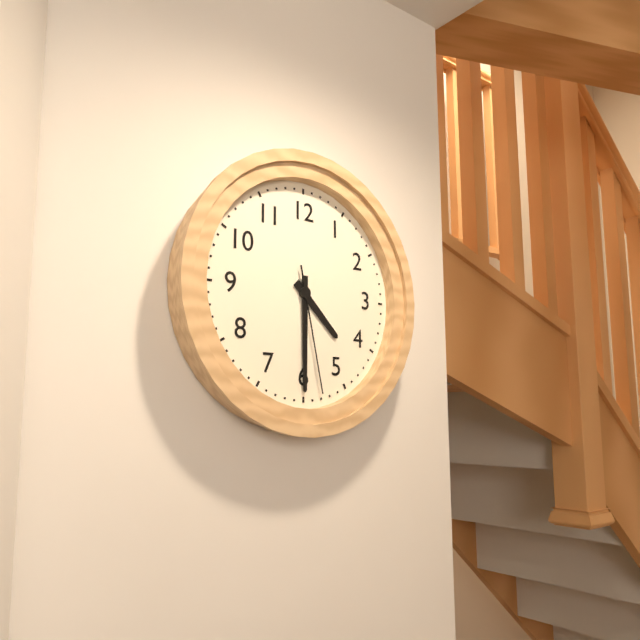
4:30:28
